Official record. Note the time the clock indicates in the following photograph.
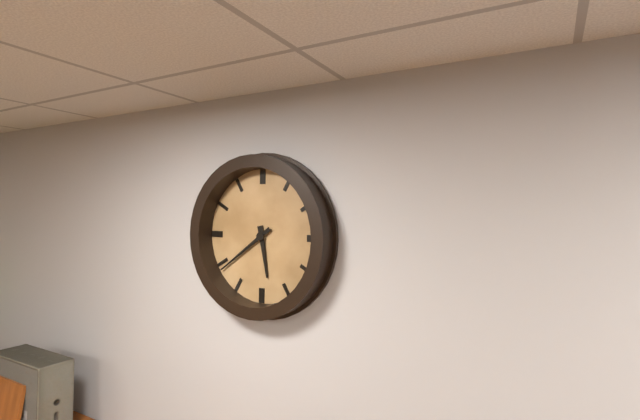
5:39
